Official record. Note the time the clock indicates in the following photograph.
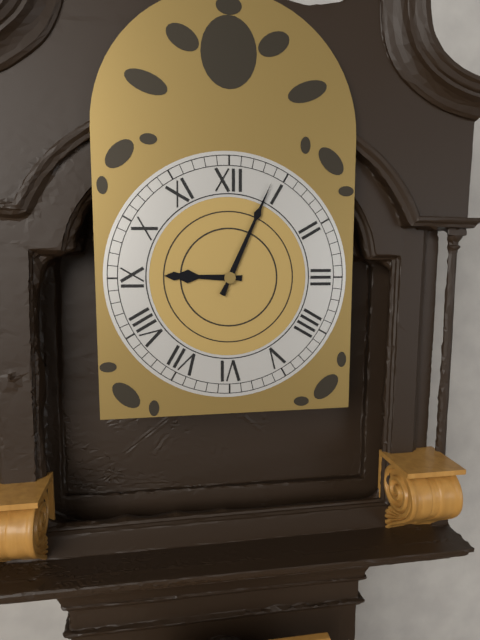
9:04
